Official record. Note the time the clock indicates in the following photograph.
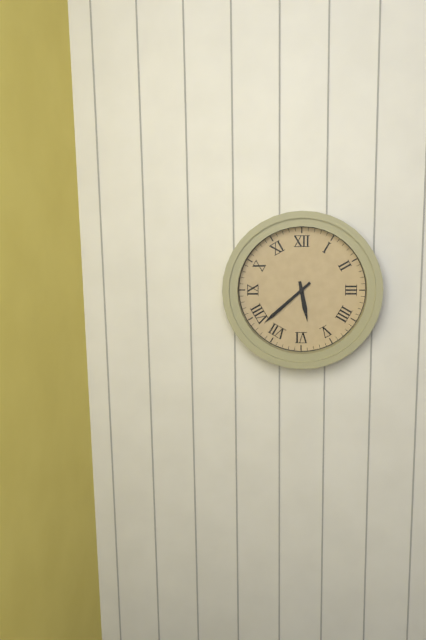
5:38
